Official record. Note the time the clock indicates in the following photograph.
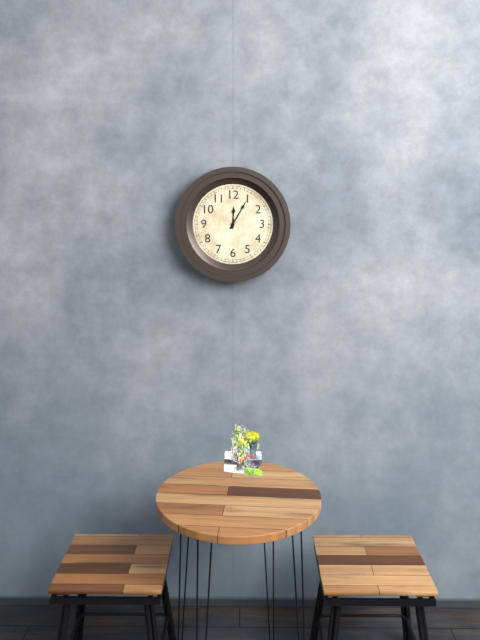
12:05
